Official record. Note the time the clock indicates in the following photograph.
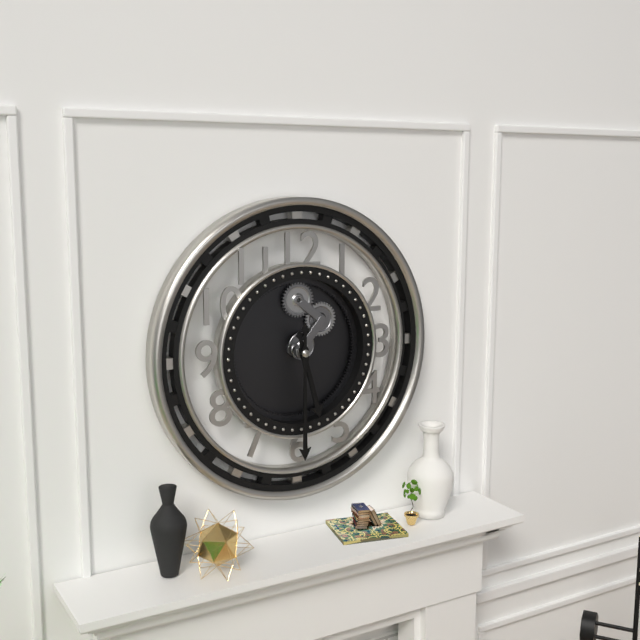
5:30
